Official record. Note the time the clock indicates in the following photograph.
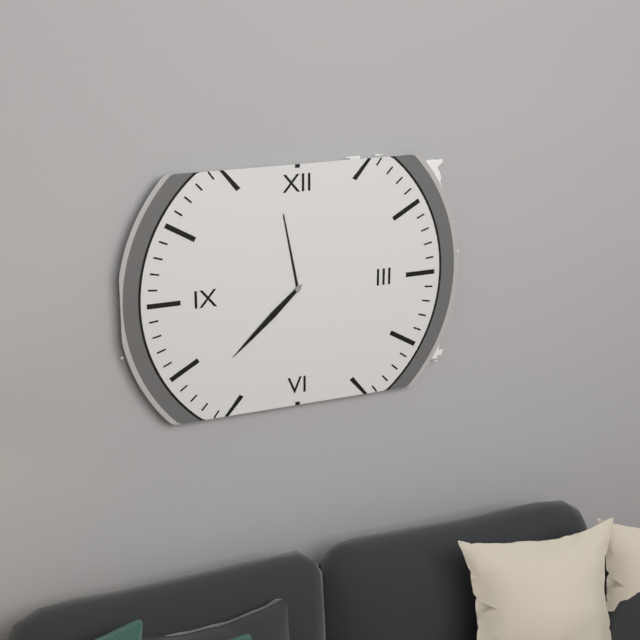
11:38
